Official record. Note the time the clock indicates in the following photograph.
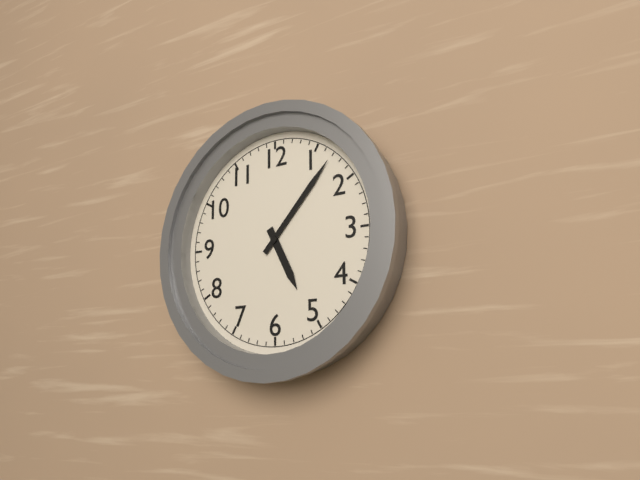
5:07
